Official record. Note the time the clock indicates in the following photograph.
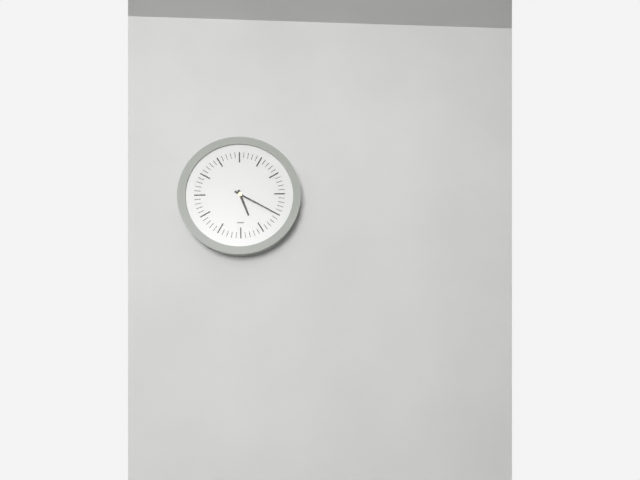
5:20
